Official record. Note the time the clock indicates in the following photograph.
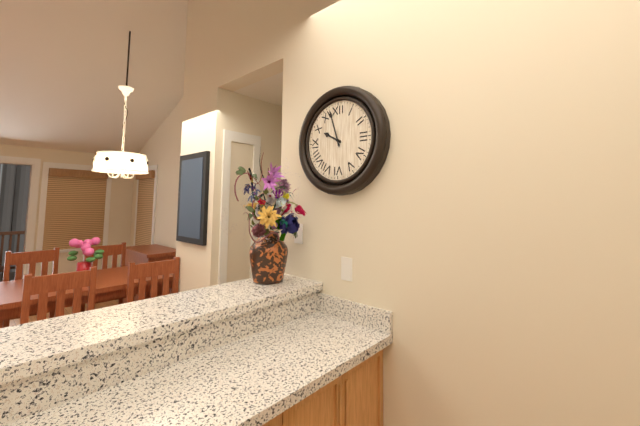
9:57
